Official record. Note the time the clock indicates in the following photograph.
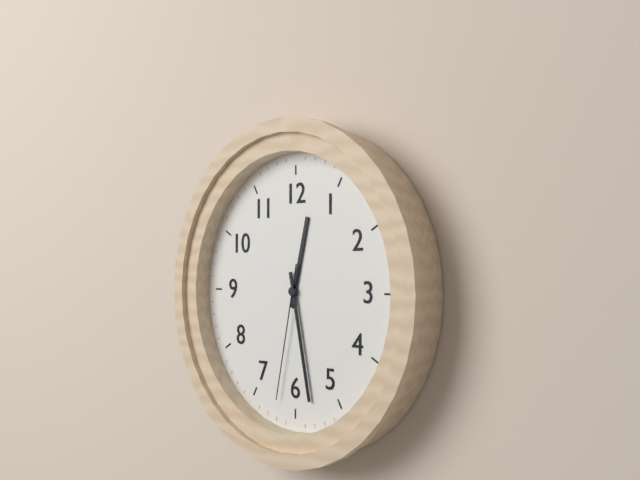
12:28:32
